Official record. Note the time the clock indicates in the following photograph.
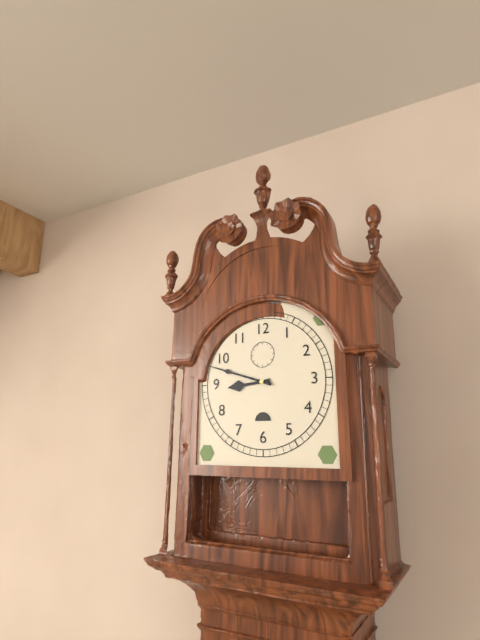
8:48
